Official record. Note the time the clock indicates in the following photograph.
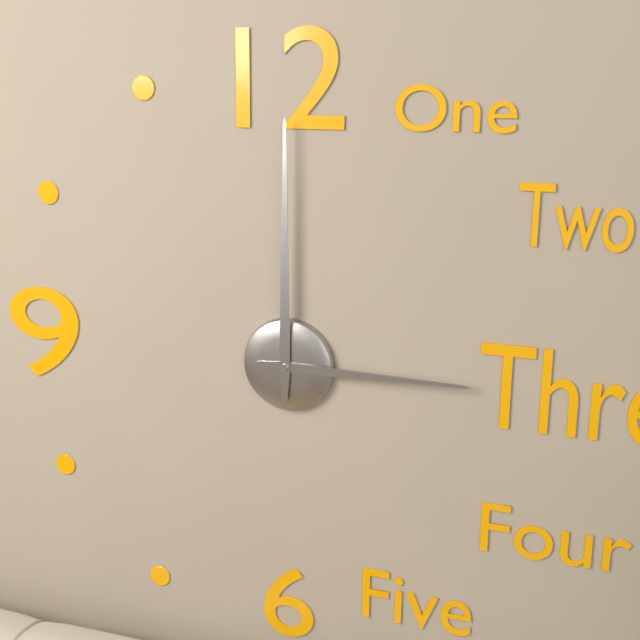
3:00
